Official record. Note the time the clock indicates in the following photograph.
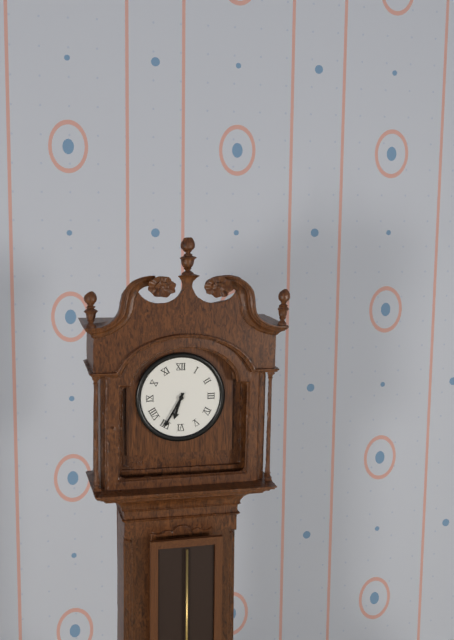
6:35
